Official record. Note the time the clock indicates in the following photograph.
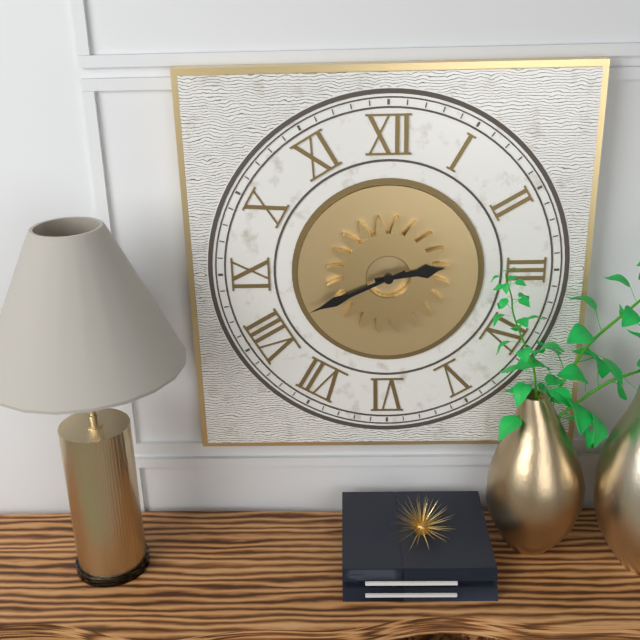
2:41
